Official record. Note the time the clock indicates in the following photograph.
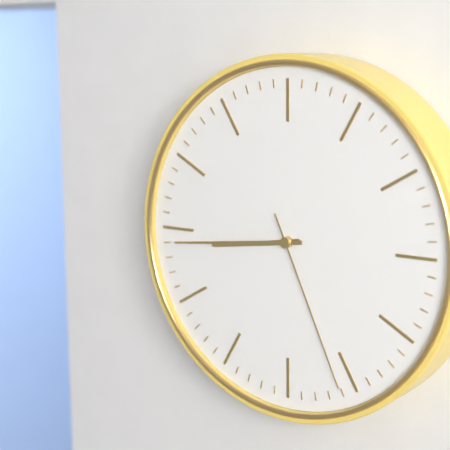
8:44:26
